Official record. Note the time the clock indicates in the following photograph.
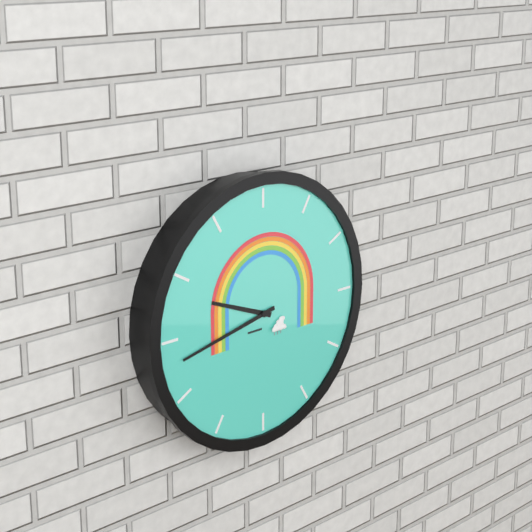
9:43
